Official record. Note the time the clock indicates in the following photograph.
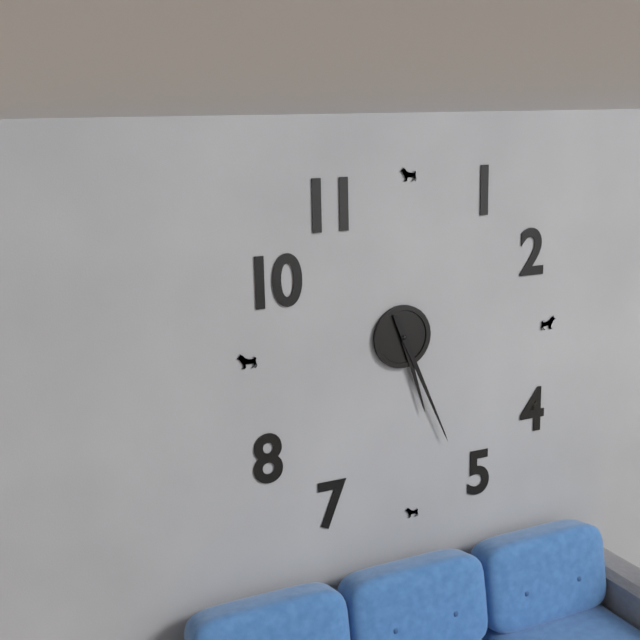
5:26
